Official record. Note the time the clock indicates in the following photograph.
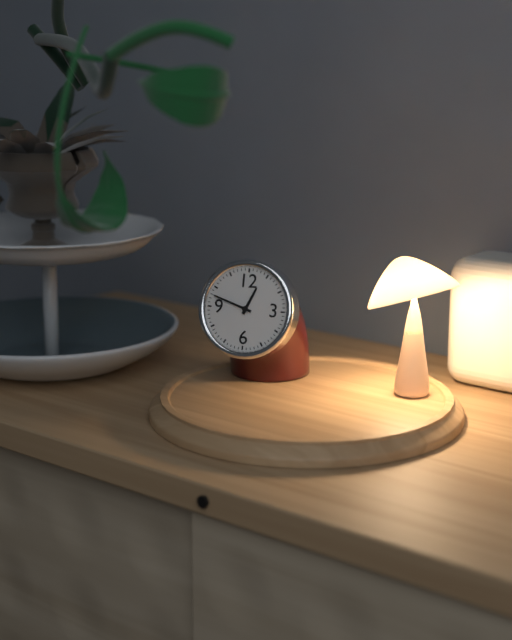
12:48
